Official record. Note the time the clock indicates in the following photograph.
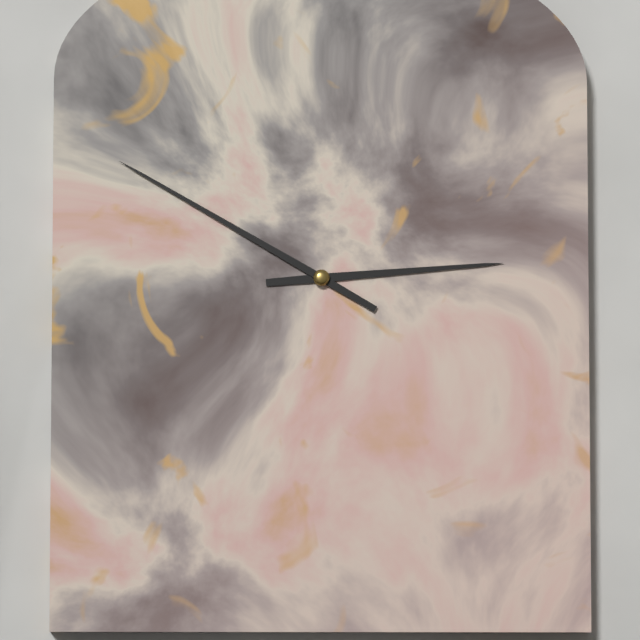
2:50
